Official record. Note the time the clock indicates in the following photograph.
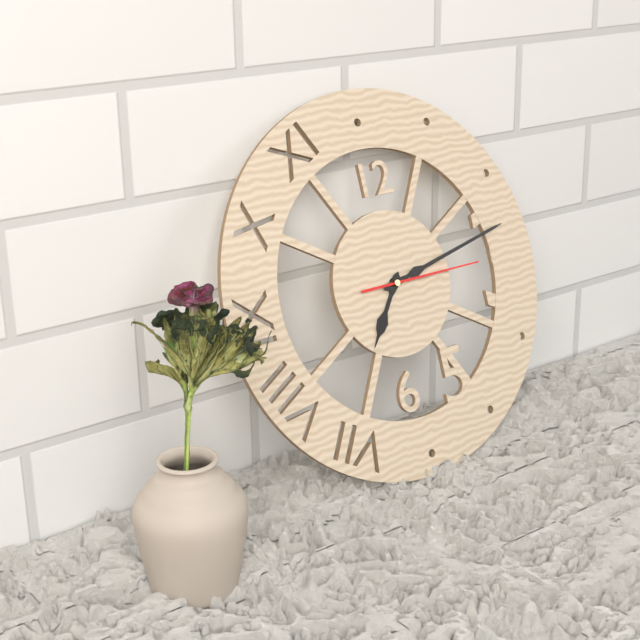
7:13:15
